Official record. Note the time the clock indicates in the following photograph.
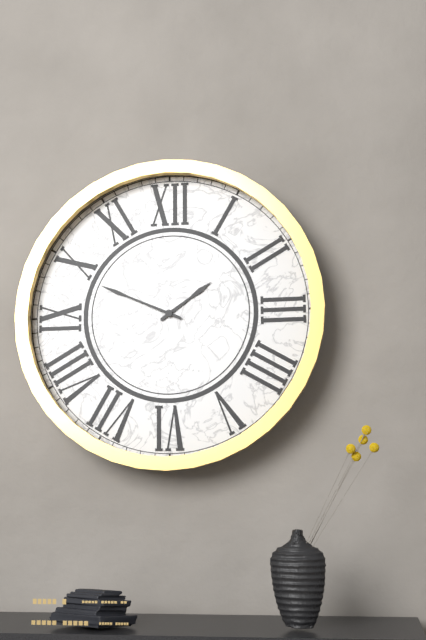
1:49
